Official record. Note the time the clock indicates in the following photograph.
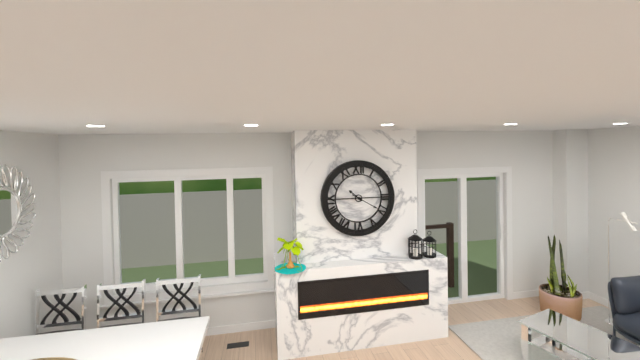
10:20
